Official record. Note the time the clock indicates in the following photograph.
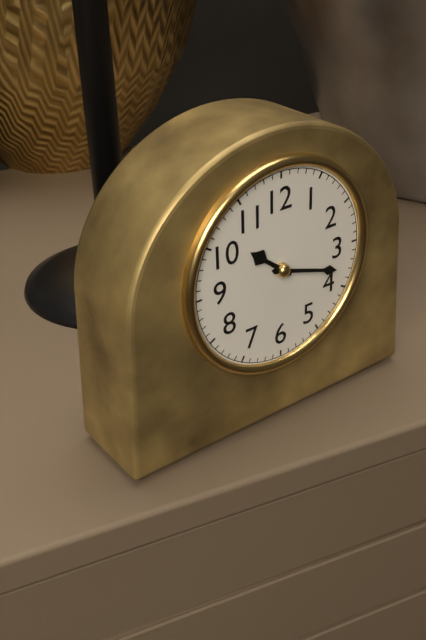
10:18
